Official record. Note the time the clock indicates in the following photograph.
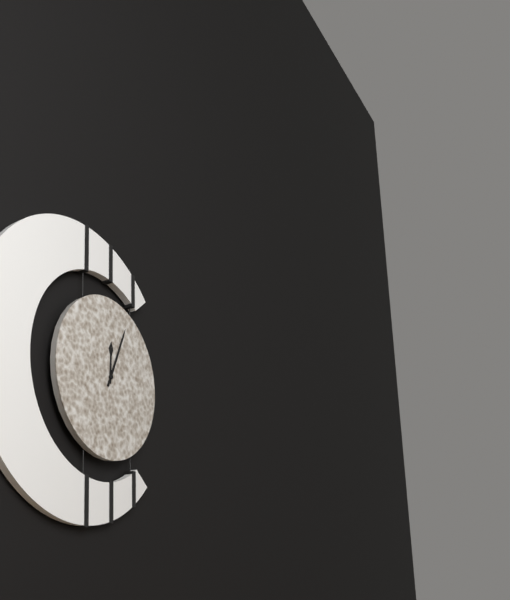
12:04
